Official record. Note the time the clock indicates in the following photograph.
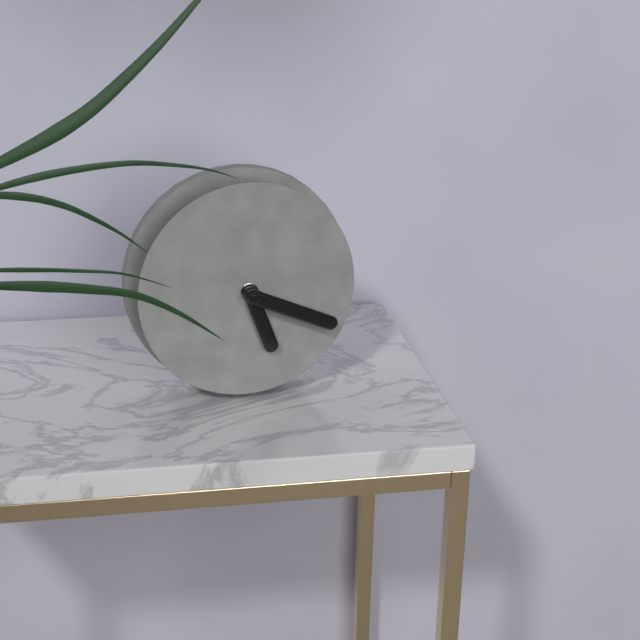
5:19
